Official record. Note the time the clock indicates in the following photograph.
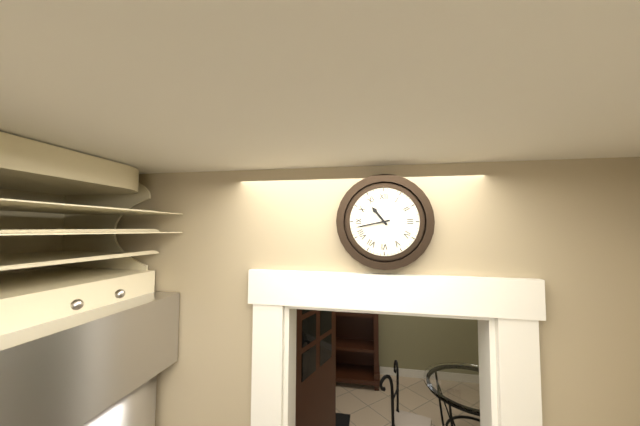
10:43
